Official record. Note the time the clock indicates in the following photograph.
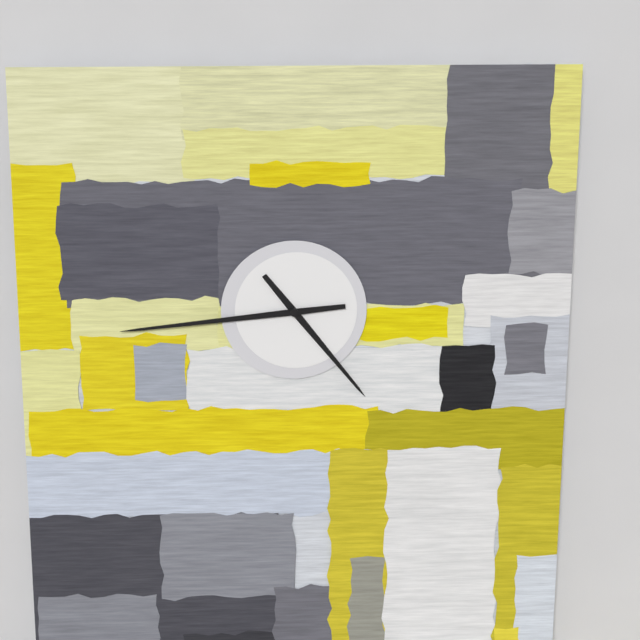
4:44
